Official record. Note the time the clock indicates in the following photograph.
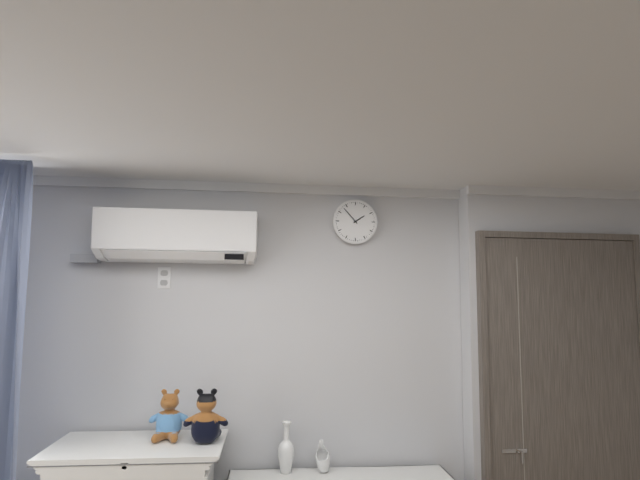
1:53
